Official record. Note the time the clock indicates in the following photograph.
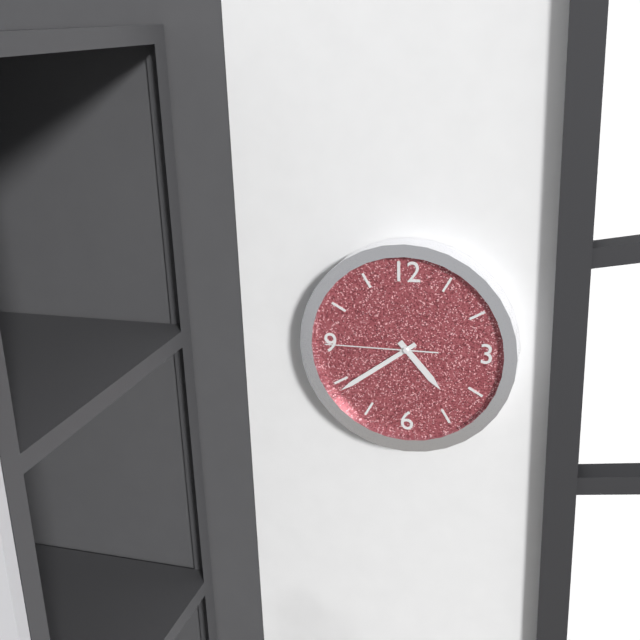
4:39:45
